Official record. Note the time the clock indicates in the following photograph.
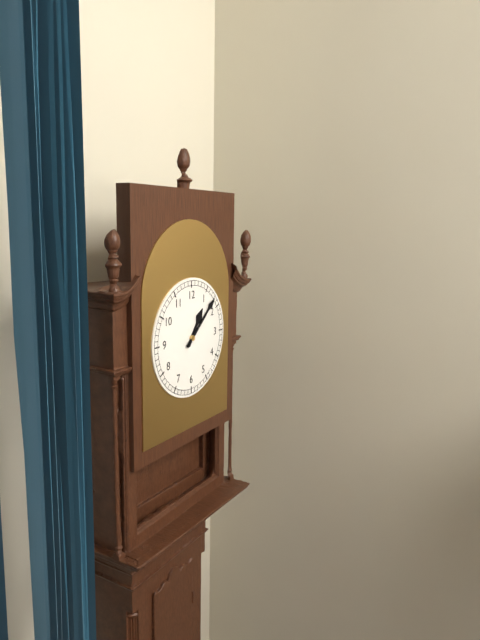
1:08
